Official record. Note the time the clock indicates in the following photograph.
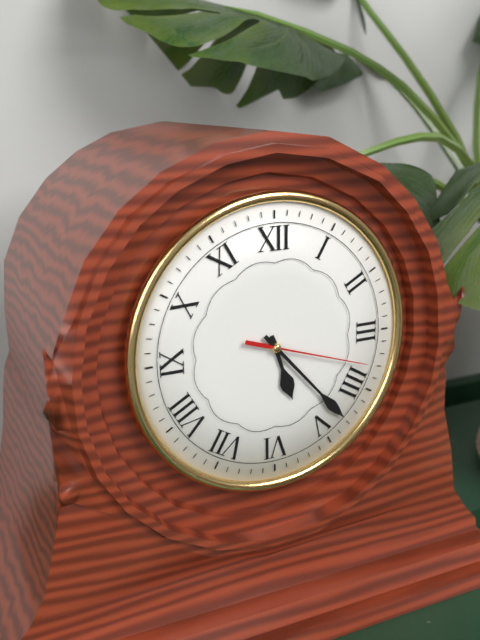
5:23:18
